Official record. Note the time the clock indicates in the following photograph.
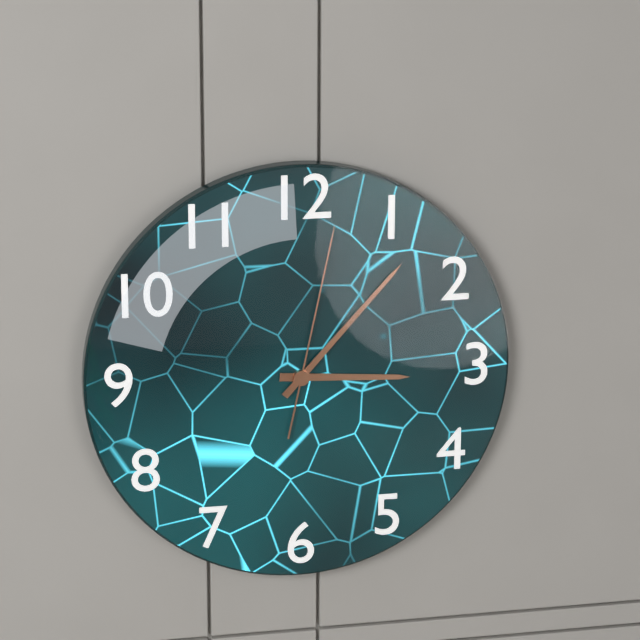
3:07:02
